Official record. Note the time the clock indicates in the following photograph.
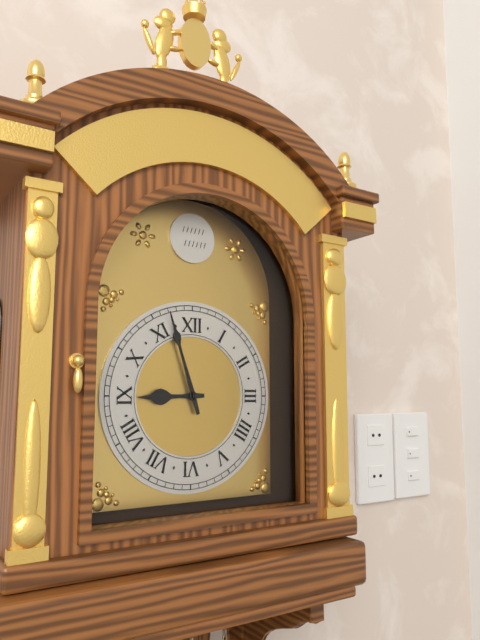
8:57
